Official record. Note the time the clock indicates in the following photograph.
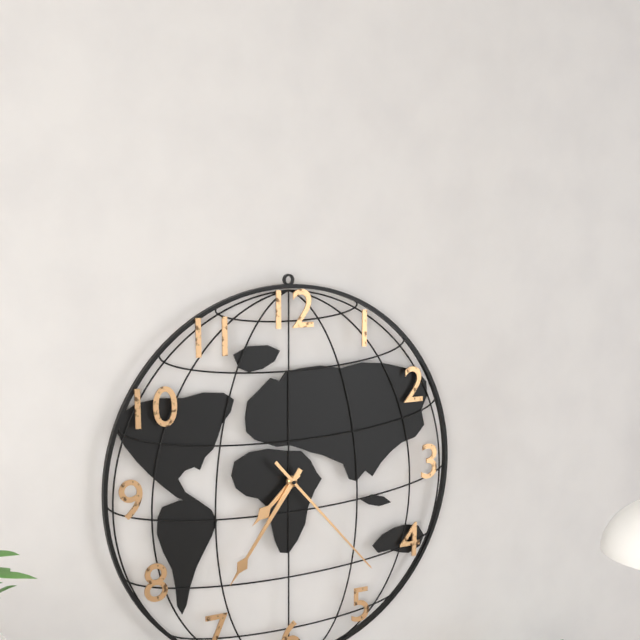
7:36:23
